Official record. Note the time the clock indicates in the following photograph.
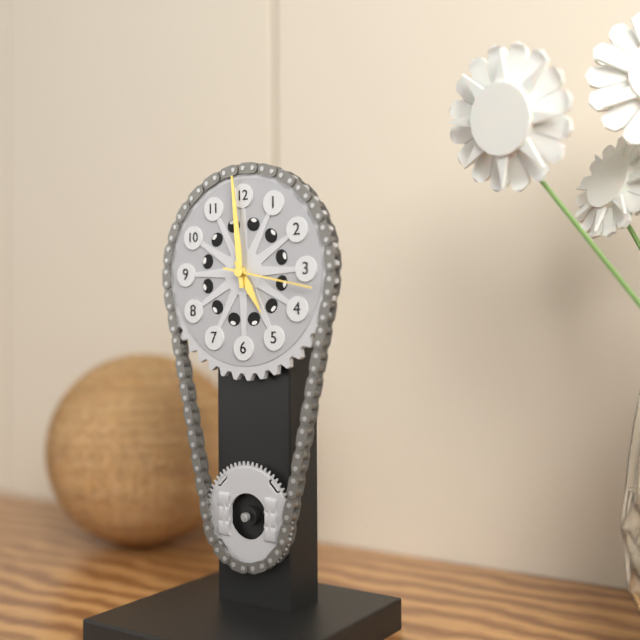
4:59:17
